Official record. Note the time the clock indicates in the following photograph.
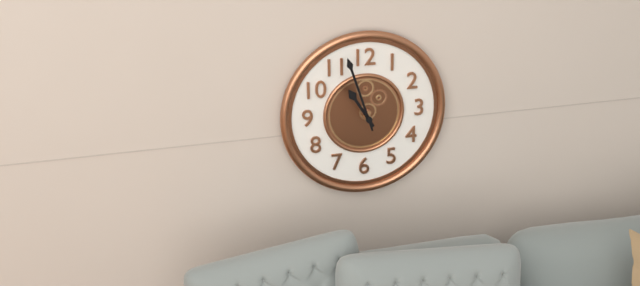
10:57
